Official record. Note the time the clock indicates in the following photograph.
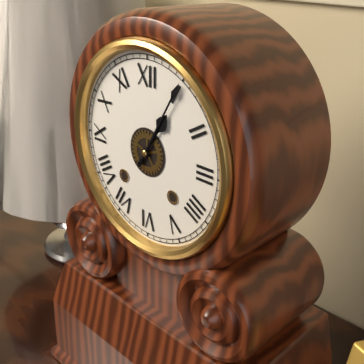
1:05
